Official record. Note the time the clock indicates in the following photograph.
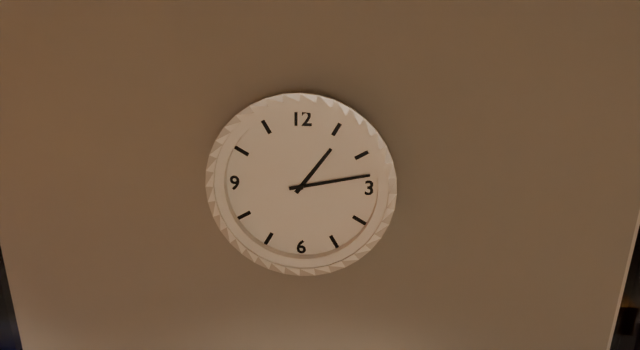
1:13
